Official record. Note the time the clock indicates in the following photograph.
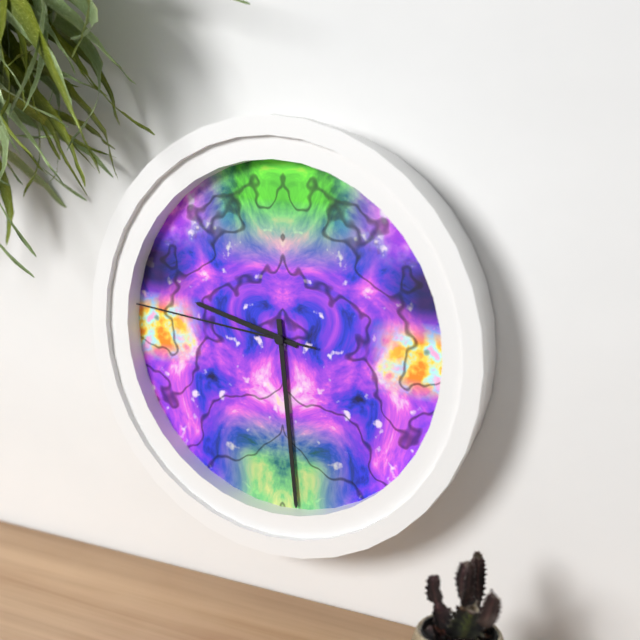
9:29:46
